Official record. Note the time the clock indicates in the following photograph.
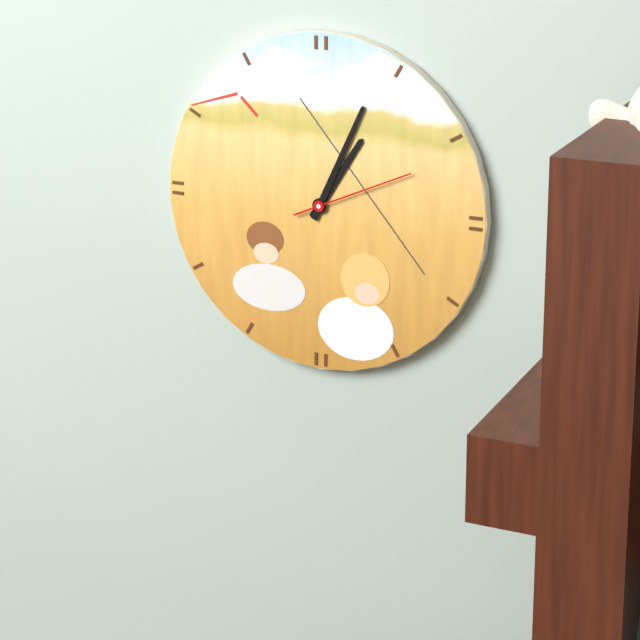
1:04:11
